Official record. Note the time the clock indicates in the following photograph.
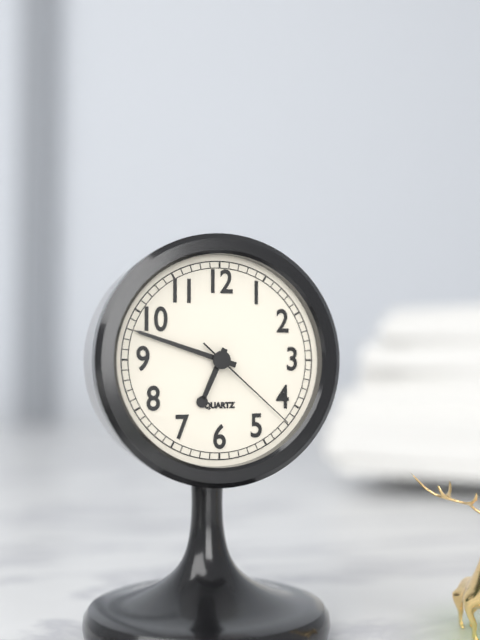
6:48:22
